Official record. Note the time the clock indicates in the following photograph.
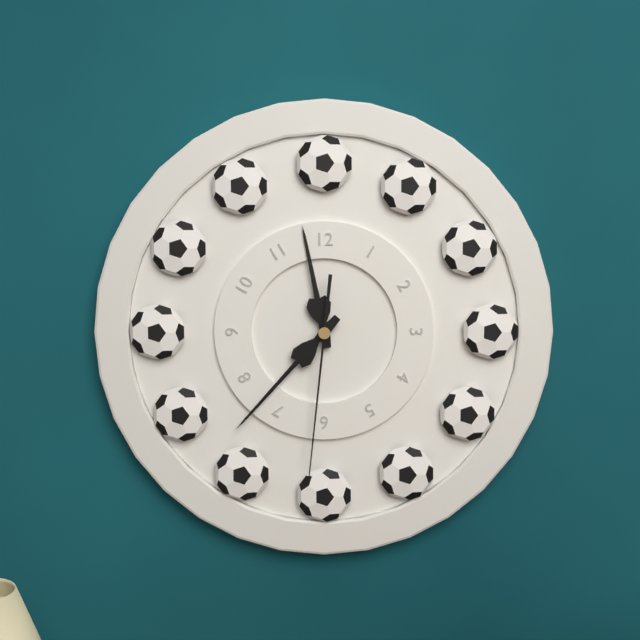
11:37:31
